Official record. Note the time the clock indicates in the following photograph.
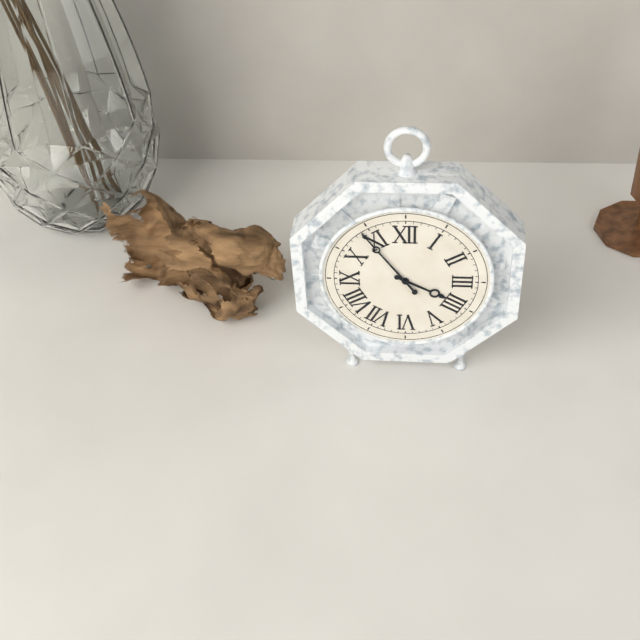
3:54
